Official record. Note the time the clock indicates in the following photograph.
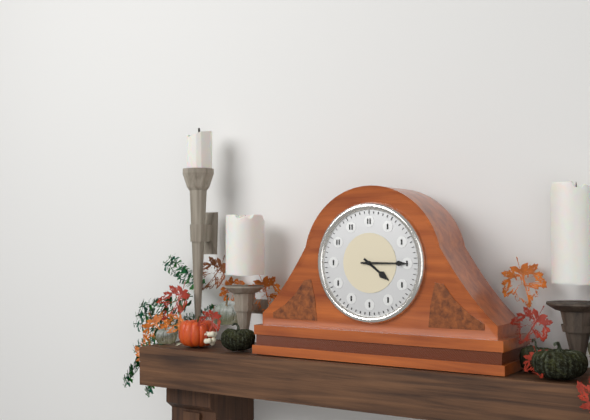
4:15
